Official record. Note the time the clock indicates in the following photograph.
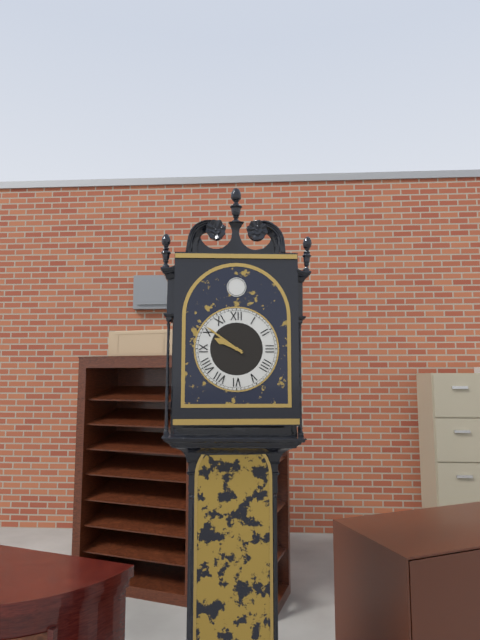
9:51
